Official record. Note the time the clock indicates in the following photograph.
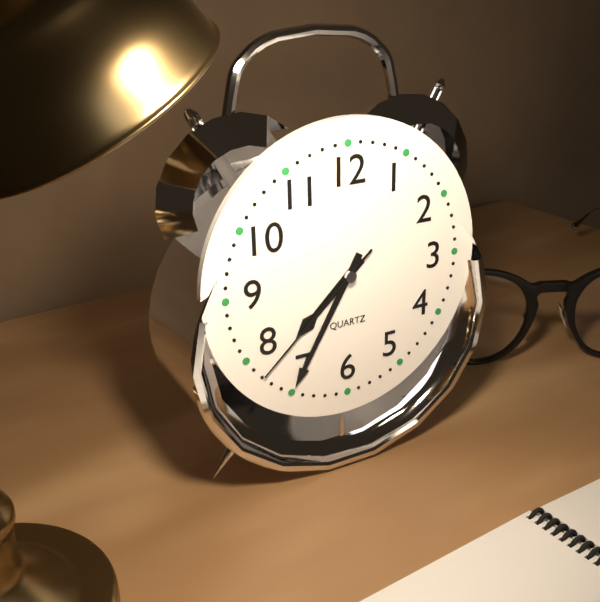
7:35:38
